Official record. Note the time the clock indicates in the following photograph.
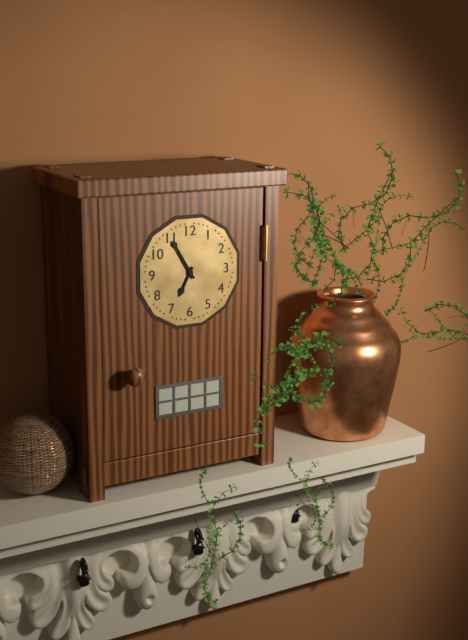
6:55
